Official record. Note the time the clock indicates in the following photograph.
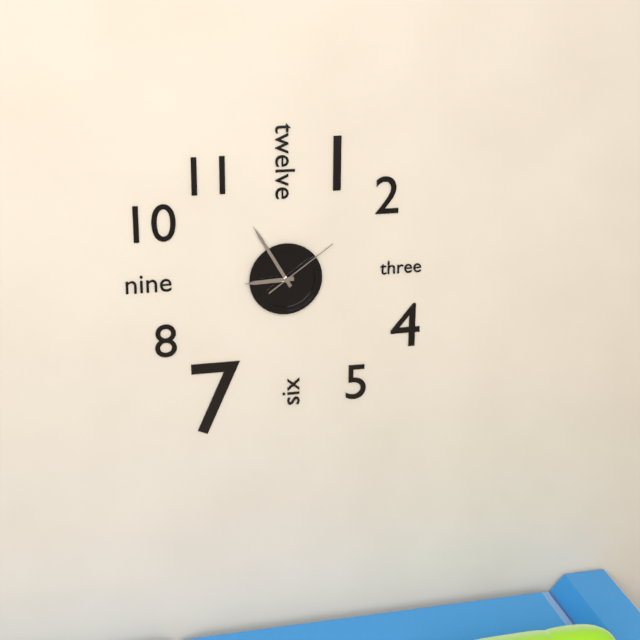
8:55:09
